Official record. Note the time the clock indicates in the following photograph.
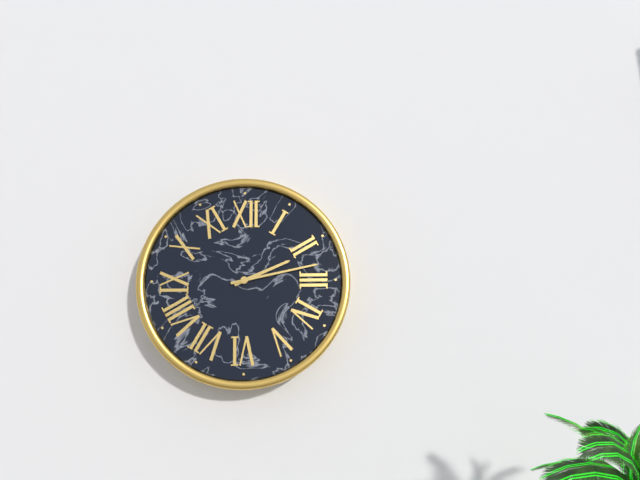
2:13
